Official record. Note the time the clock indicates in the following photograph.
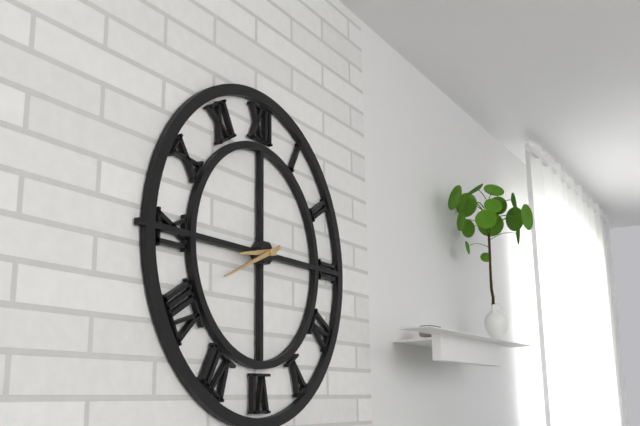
8:41
